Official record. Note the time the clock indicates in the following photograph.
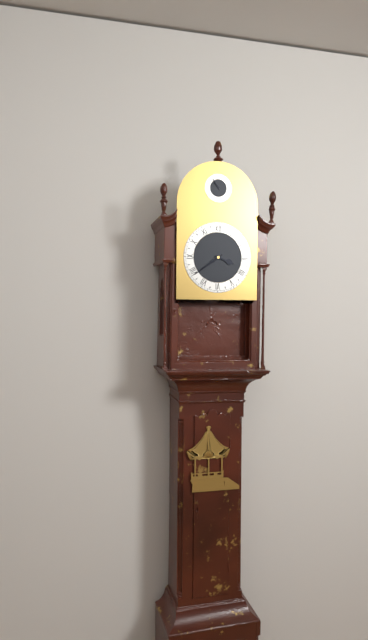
3:39
